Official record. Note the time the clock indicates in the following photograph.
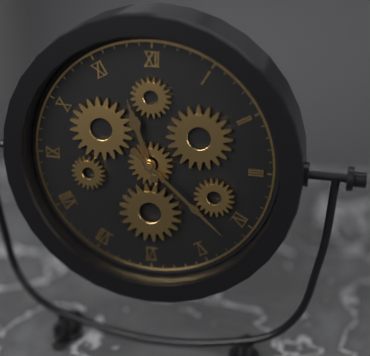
11:22
